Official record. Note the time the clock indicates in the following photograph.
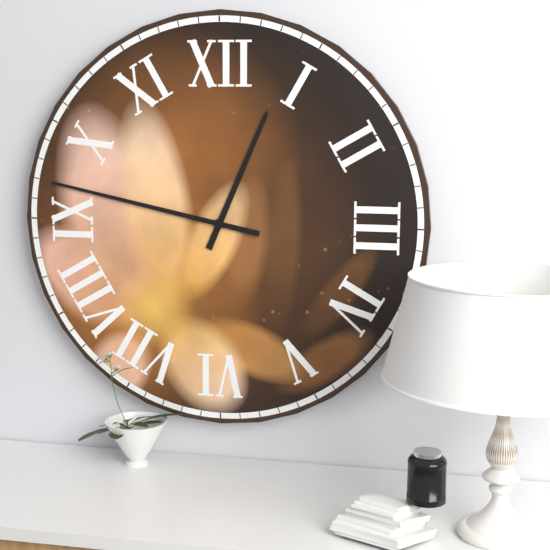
12:47
